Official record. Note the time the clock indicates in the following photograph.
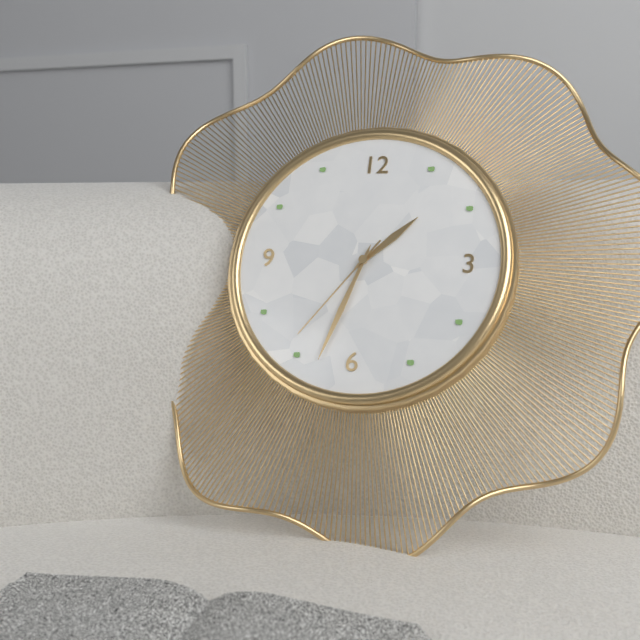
1:33:36
